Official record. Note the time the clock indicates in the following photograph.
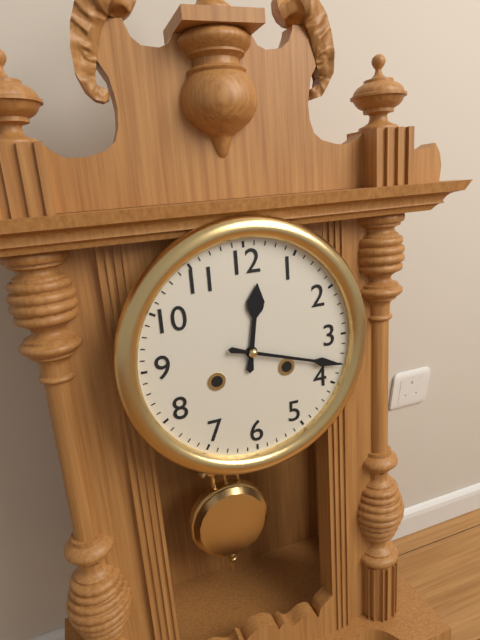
12:18
